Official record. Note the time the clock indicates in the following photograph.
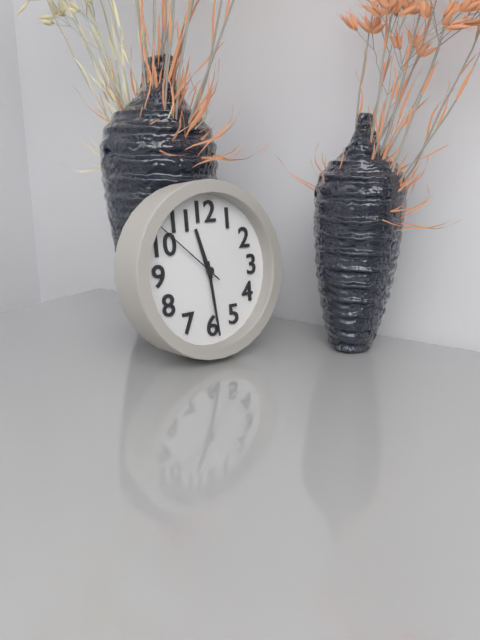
11:29:52
